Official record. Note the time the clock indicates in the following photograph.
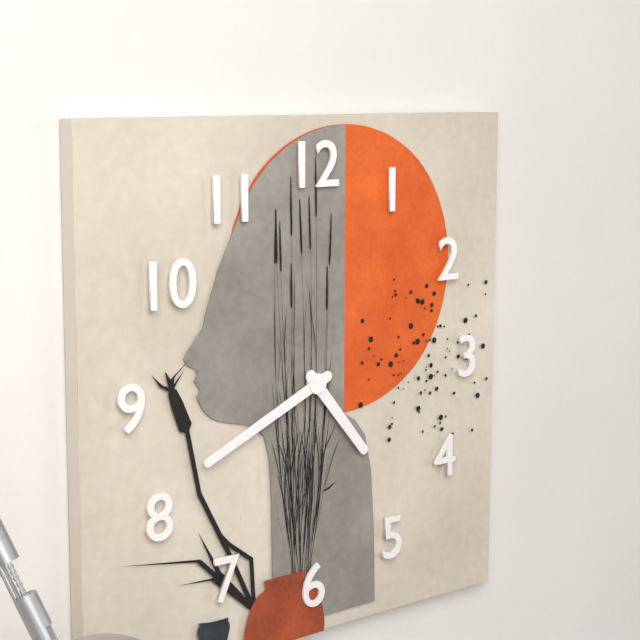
4:41
